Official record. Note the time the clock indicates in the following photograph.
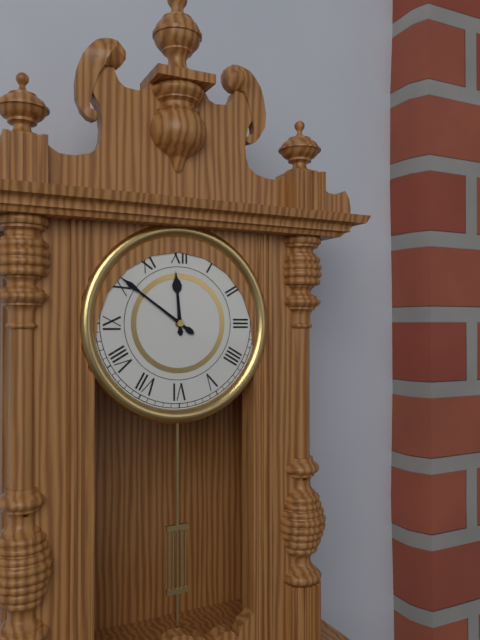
11:51
